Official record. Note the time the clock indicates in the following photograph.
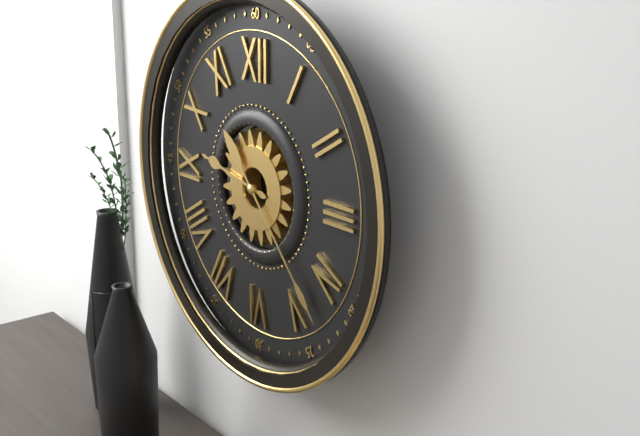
9:23
